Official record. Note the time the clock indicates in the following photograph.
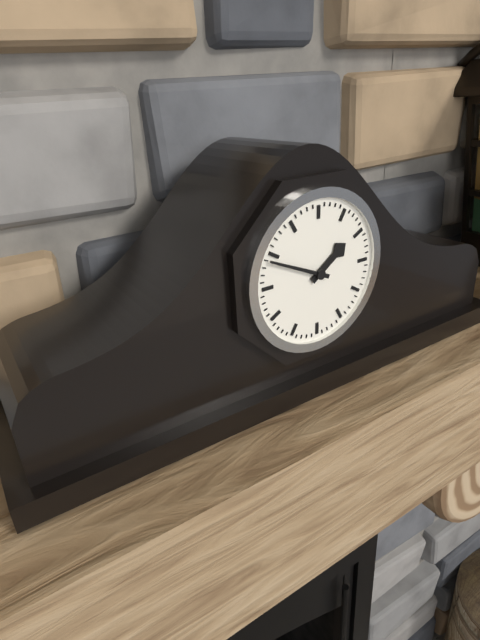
1:49
